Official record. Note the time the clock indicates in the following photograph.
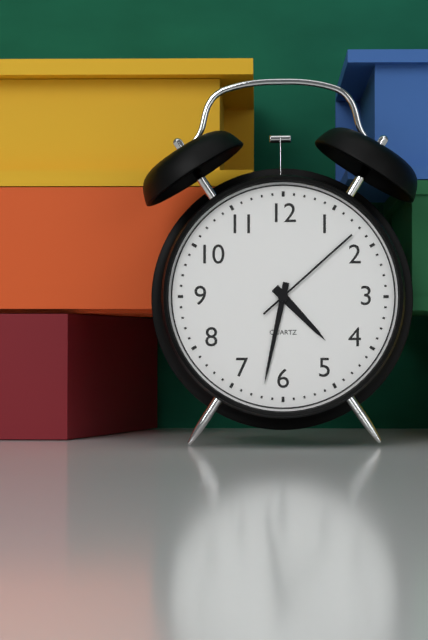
4:32:08
